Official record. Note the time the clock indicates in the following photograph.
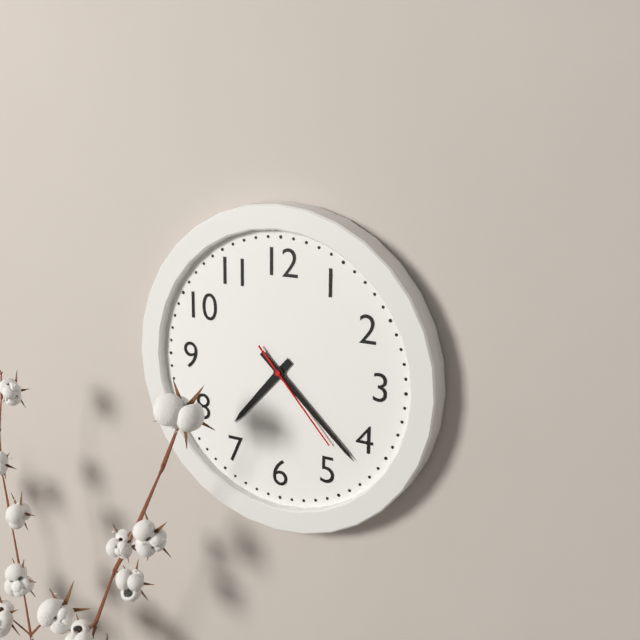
7:22:23
